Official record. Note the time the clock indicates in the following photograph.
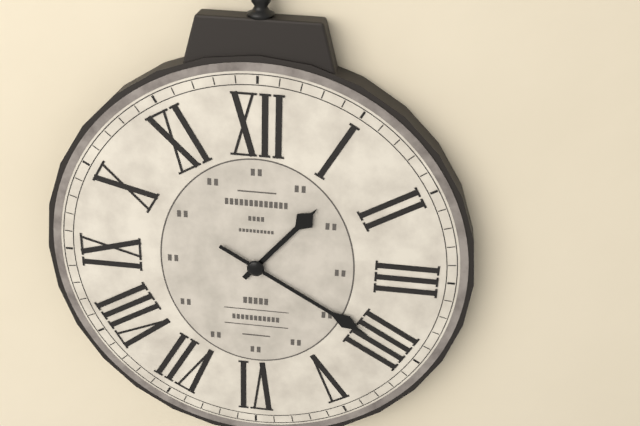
1:20
